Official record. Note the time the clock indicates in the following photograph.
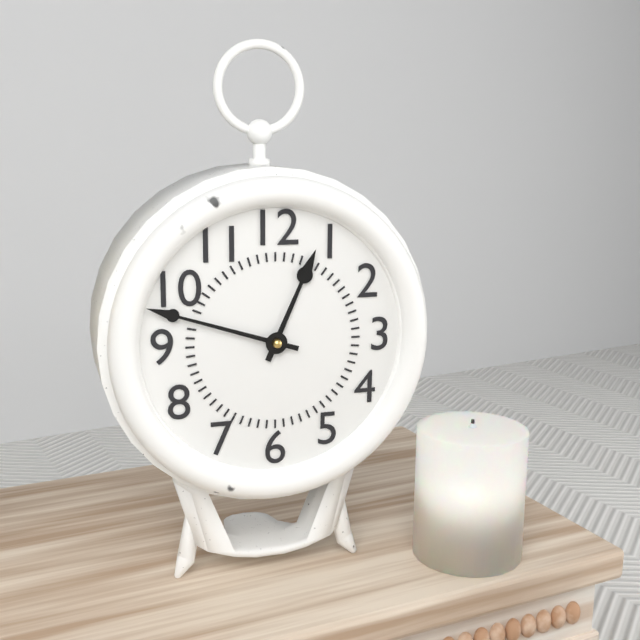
12:48
